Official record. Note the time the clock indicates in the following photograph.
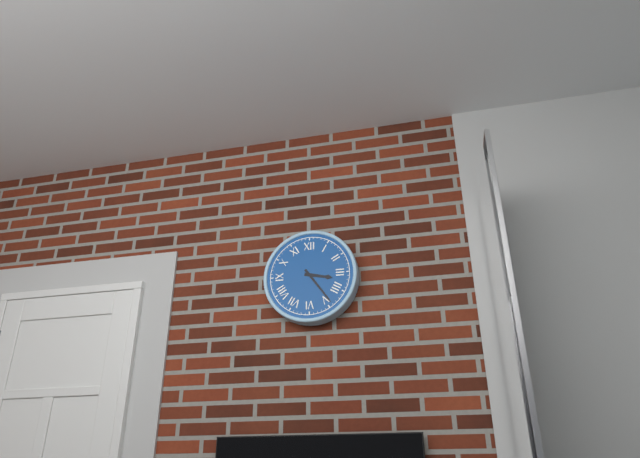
3:24
